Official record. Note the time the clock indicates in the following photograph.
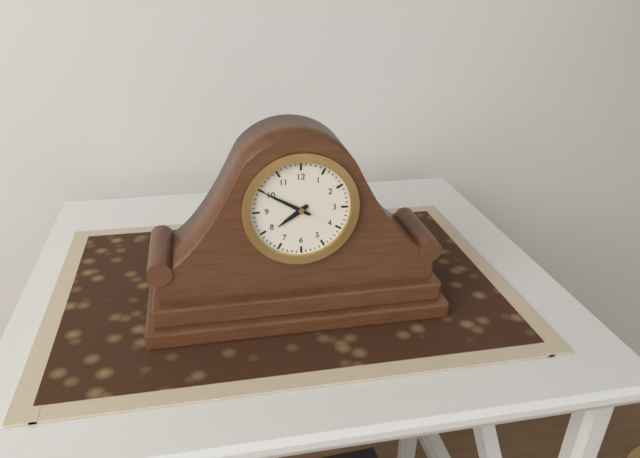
7:50
